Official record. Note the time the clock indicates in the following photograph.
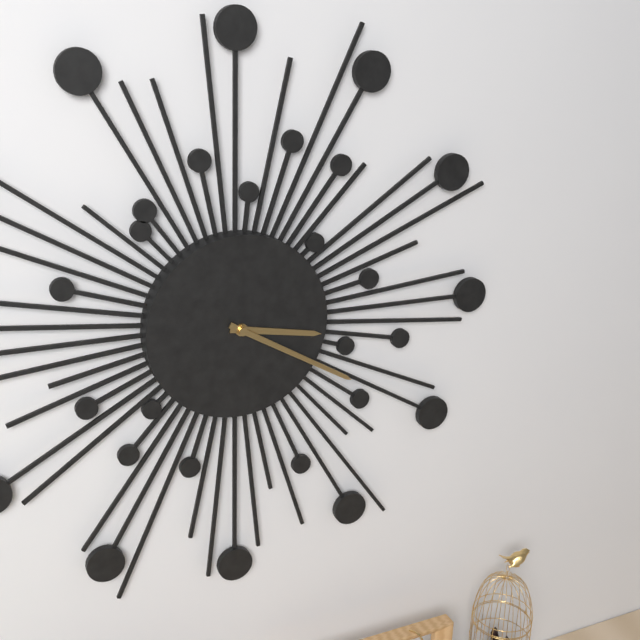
3:20
